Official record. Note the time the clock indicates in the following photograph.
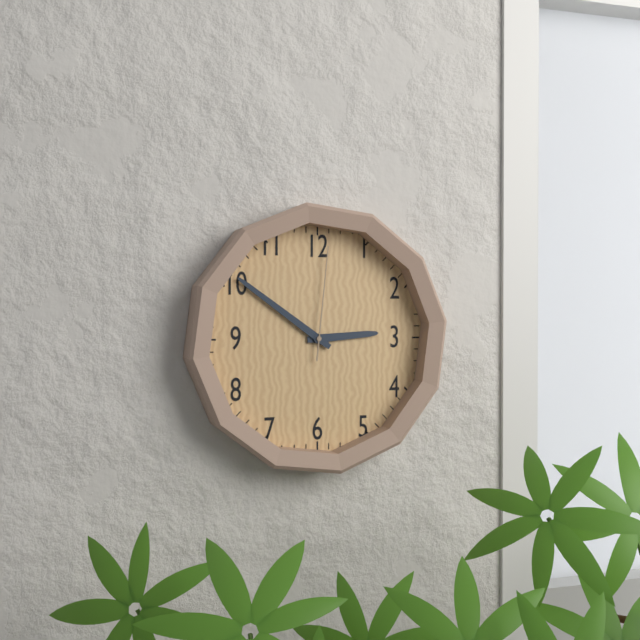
2:51:01
